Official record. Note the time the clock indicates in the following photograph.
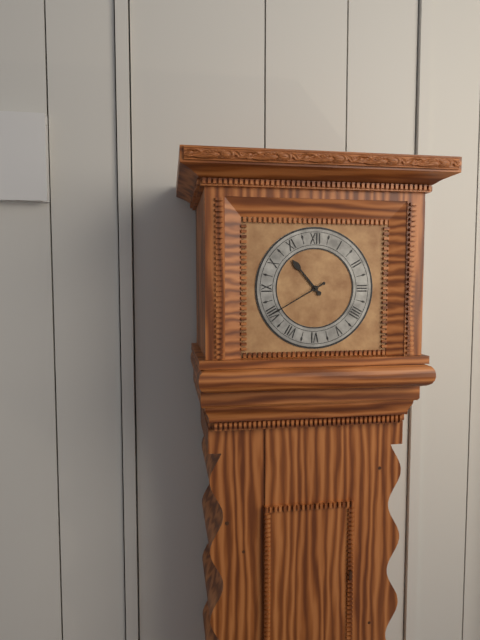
10:40
